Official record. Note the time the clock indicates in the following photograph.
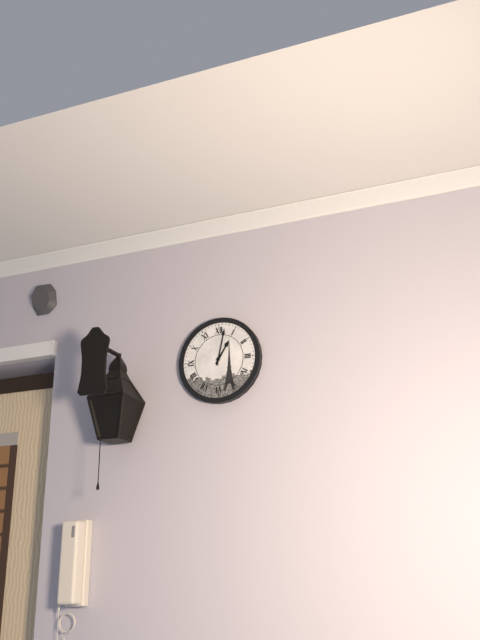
1:02
